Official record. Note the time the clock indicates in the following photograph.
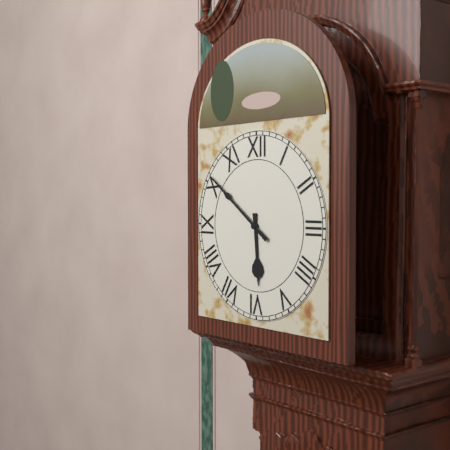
5:51
